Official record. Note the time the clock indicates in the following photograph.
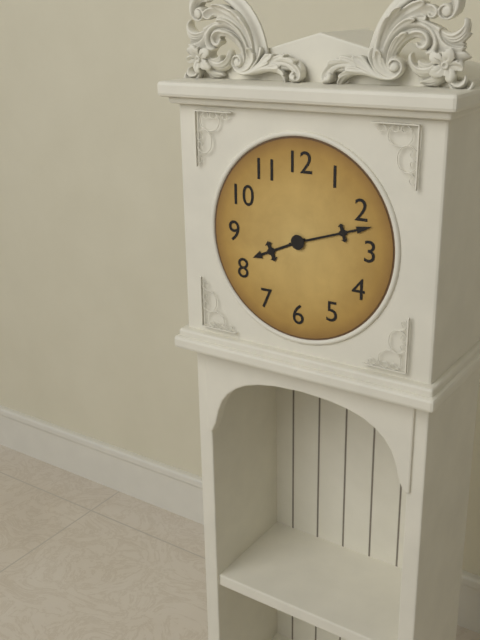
8:12
